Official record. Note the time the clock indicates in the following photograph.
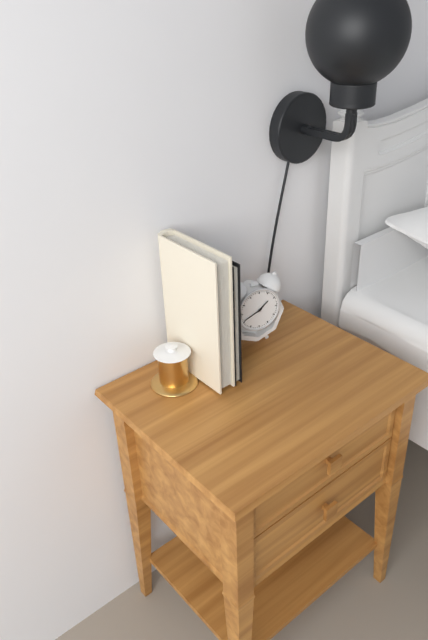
1:41
